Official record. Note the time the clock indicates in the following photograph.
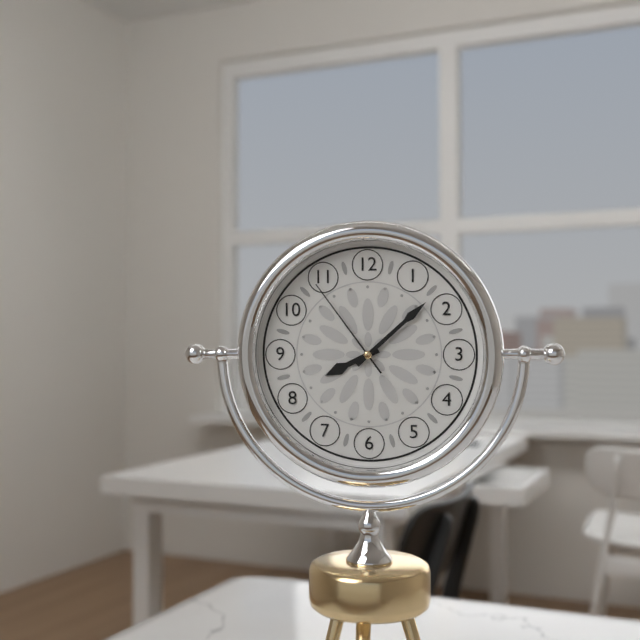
8:08:54
